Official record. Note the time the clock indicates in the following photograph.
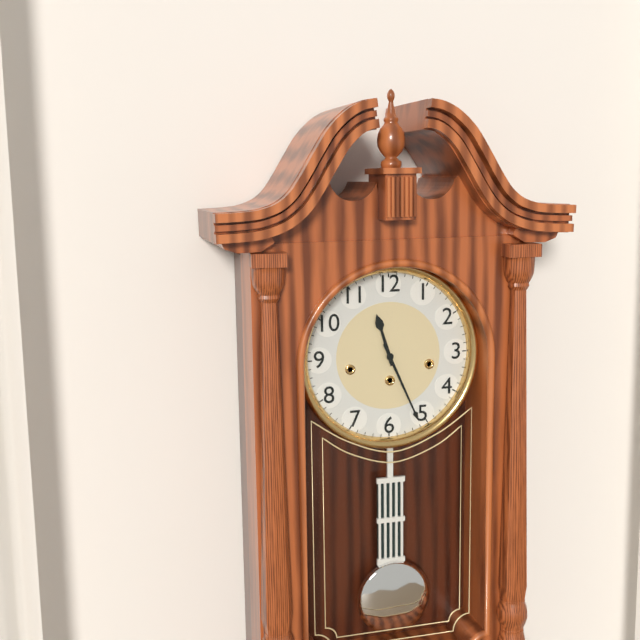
11:26
